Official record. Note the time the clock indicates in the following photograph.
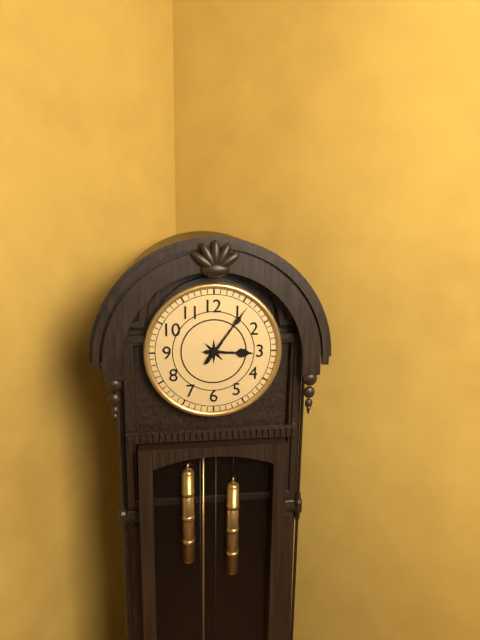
3:06
